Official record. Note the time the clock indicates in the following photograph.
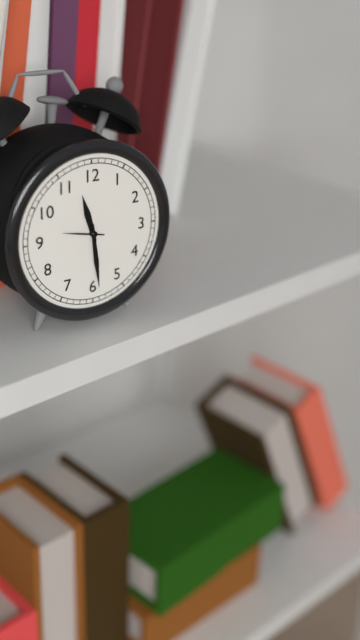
11:29
